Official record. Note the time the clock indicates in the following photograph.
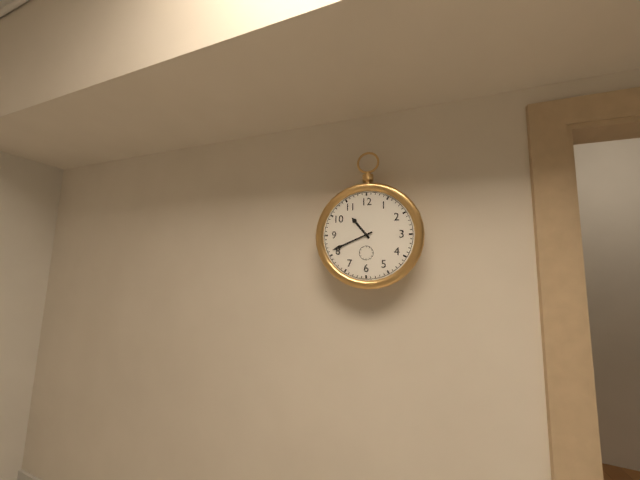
10:41
